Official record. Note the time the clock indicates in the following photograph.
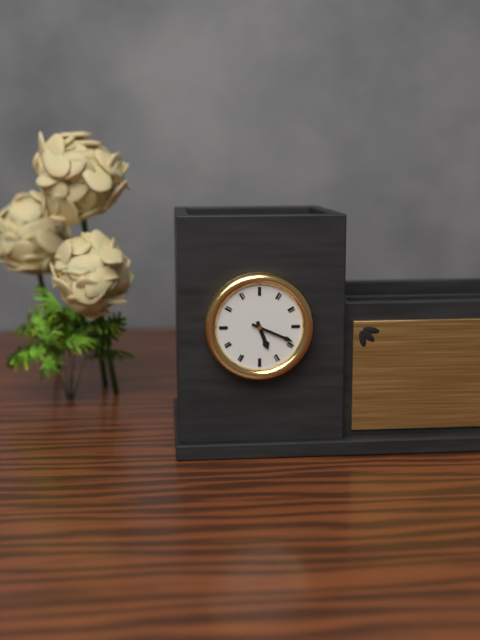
5:19
